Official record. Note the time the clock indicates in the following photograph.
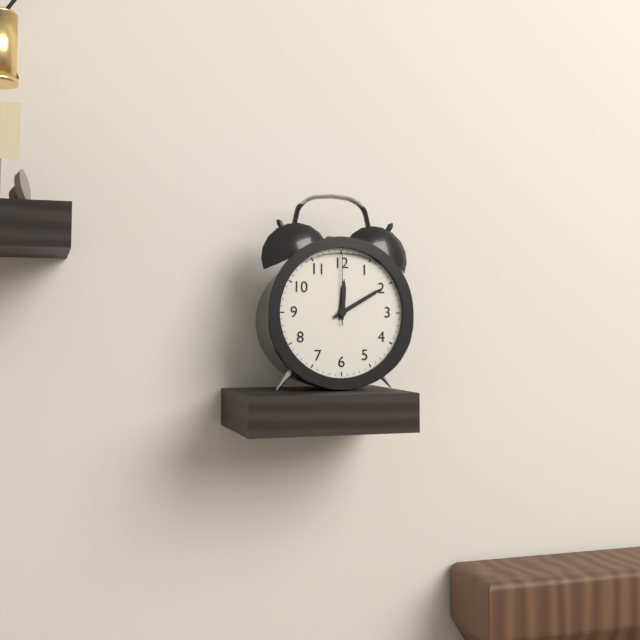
12:10:00
